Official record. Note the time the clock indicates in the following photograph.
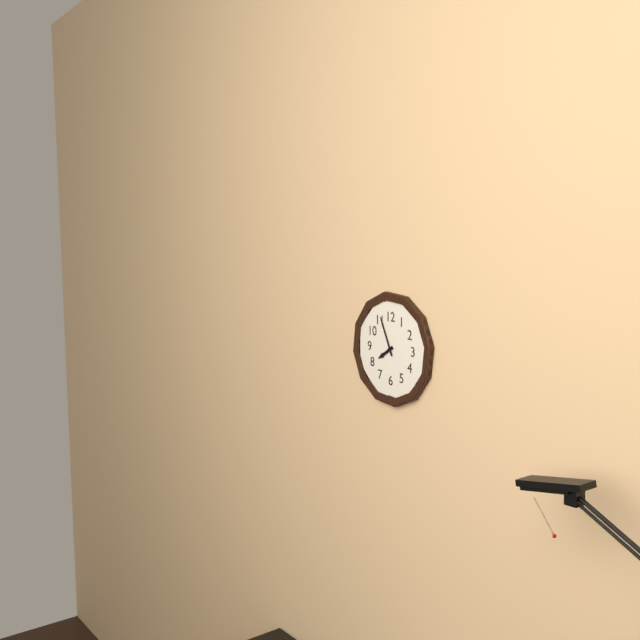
7:56
